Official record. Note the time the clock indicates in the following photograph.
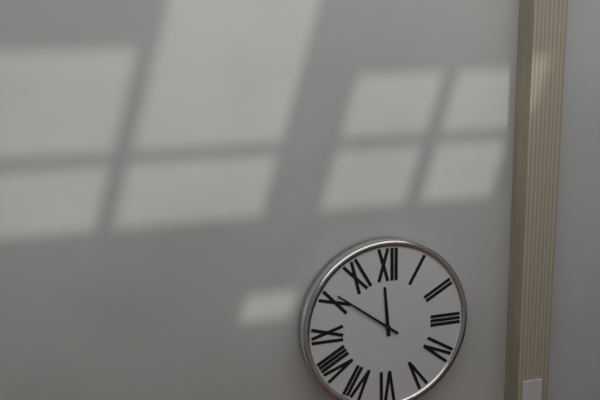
11:51
